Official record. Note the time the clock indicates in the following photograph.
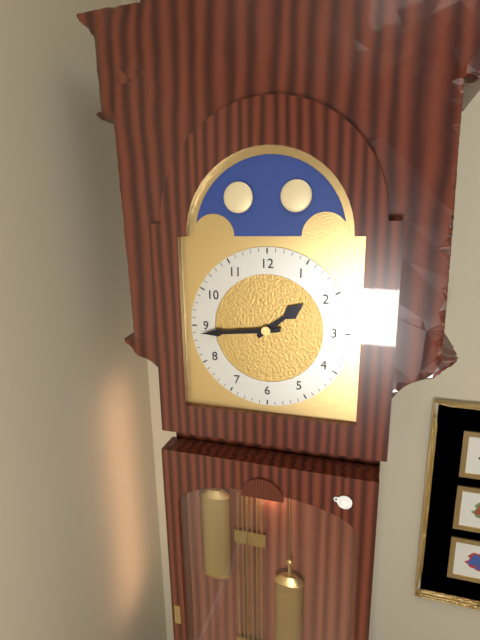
1:44
